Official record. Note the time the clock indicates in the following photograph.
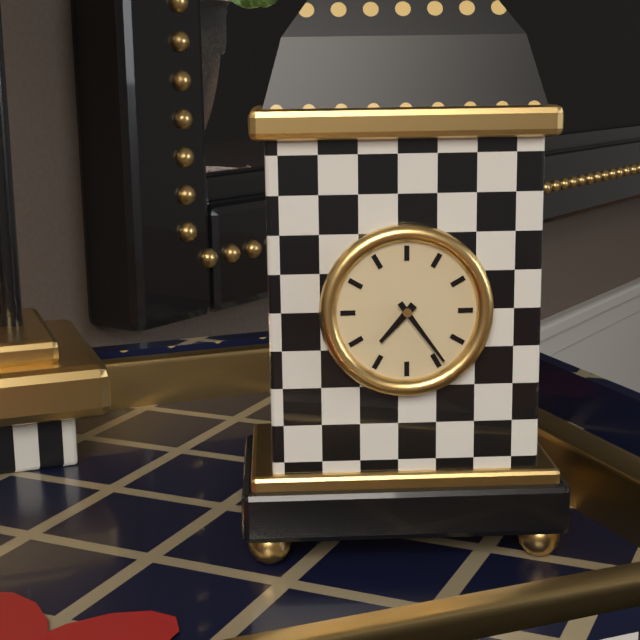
7:24
